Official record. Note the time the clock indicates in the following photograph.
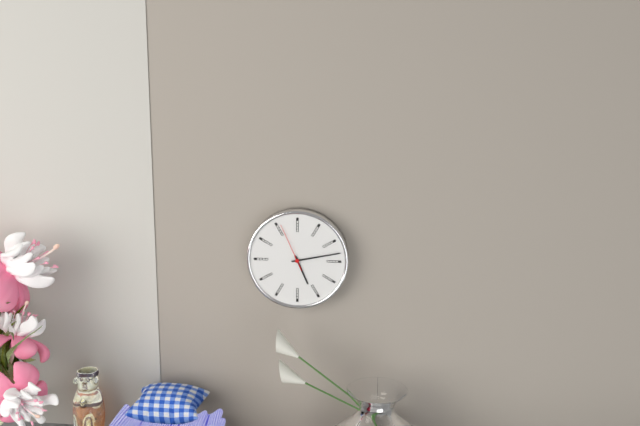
5:13
